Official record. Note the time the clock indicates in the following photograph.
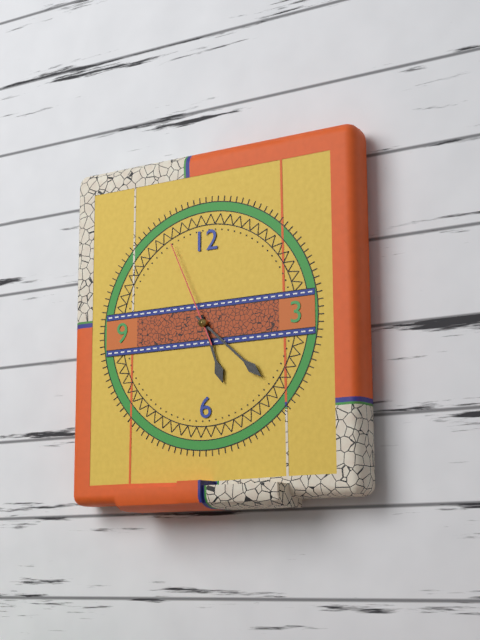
5:22:56
